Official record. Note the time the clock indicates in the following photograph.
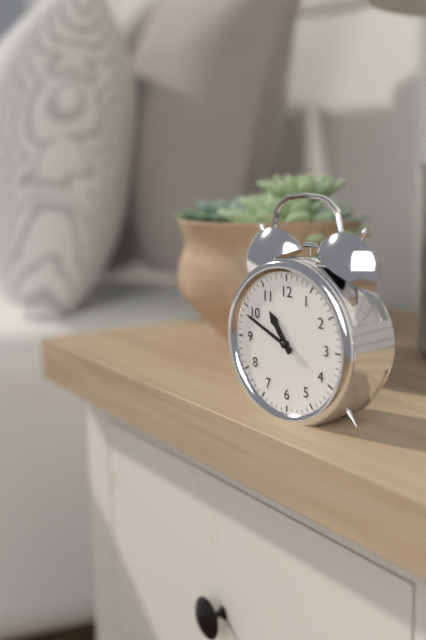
10:49
